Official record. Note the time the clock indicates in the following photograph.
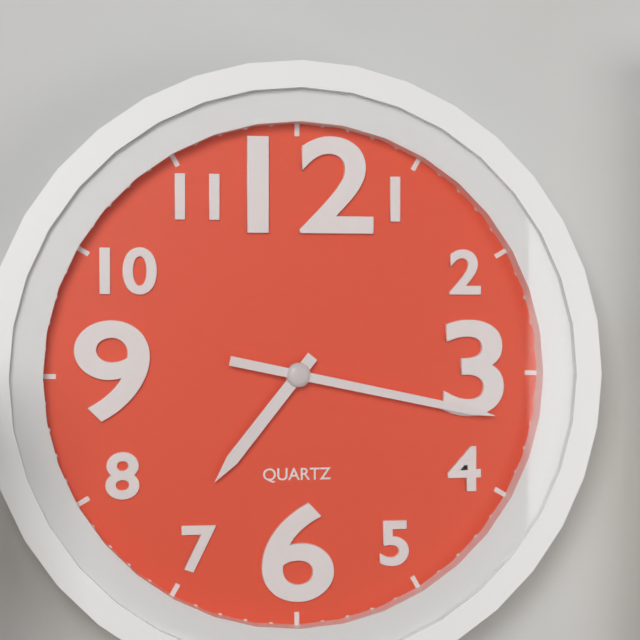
7:17
